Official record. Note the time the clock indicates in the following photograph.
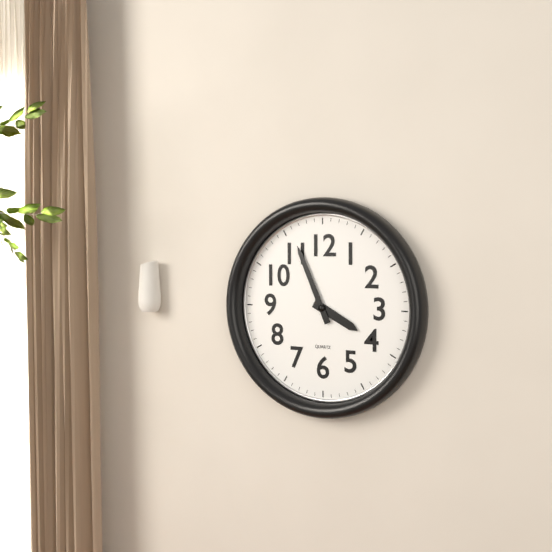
3:56
